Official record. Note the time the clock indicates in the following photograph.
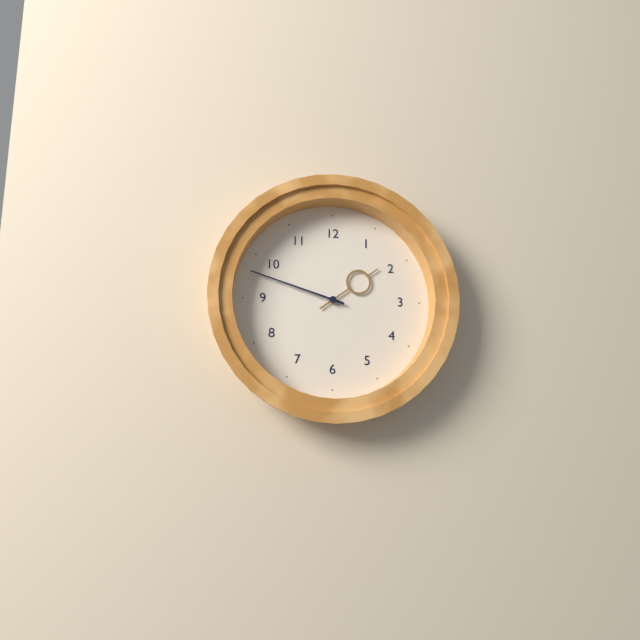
1:48
